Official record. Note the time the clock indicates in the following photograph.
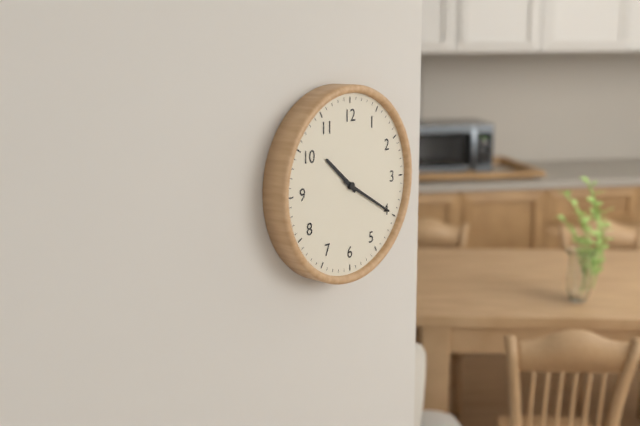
10:20
